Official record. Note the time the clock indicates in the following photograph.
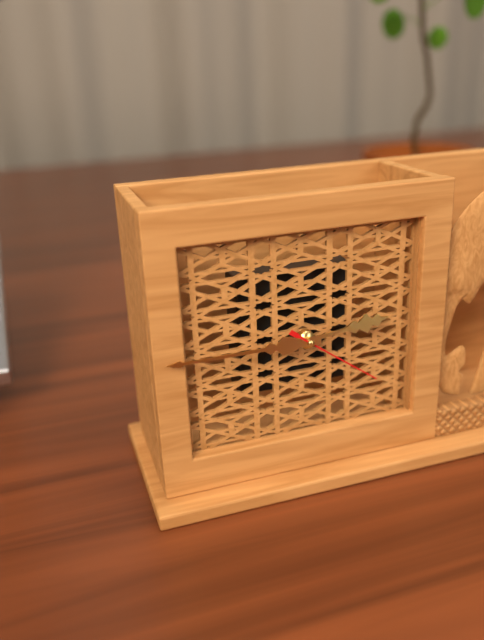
2:45:21
